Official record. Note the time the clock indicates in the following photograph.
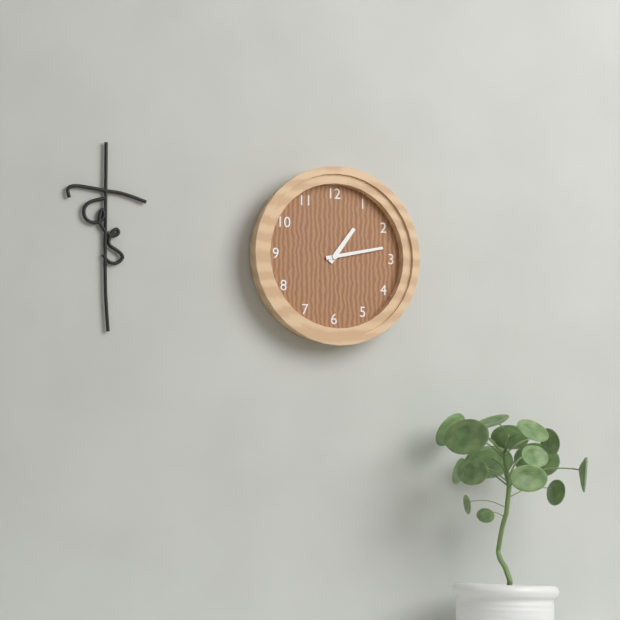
1:13
